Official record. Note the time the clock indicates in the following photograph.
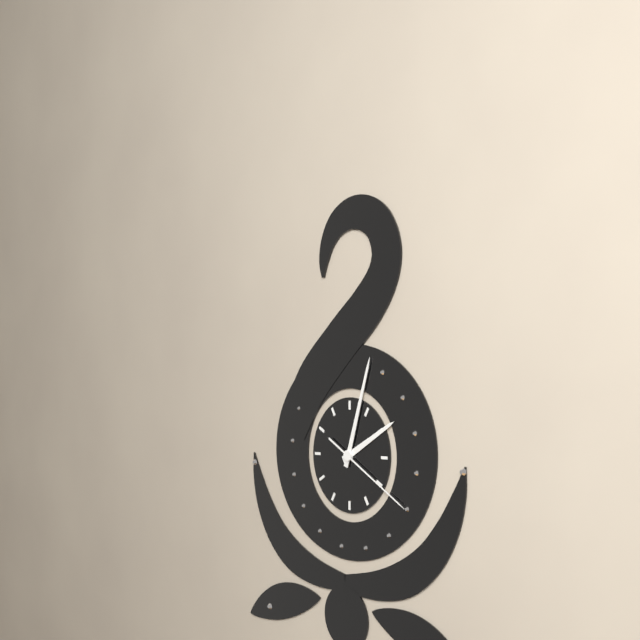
2:03:20
